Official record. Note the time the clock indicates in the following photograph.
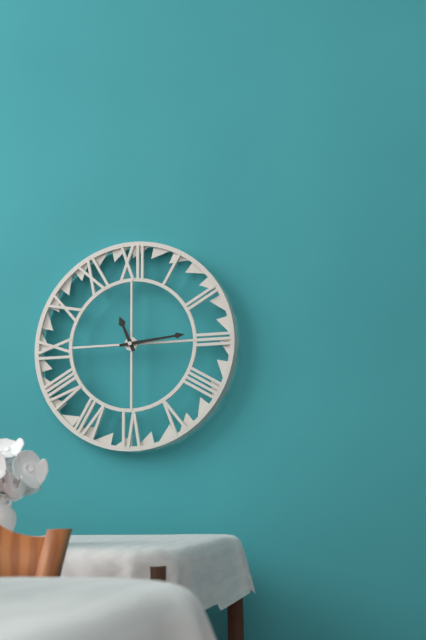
11:14
